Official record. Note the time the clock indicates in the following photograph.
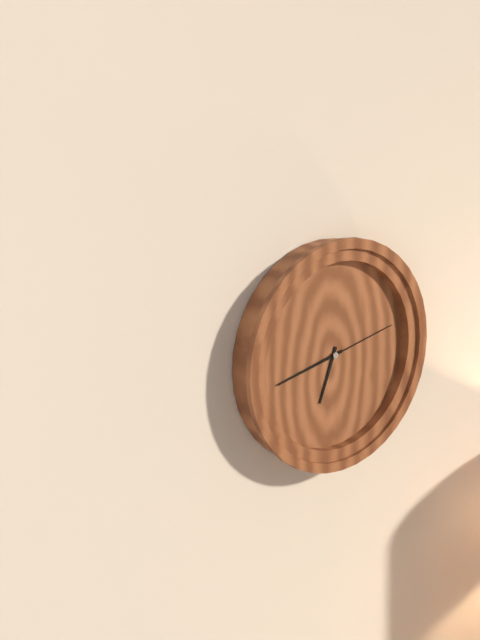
6:43:13
